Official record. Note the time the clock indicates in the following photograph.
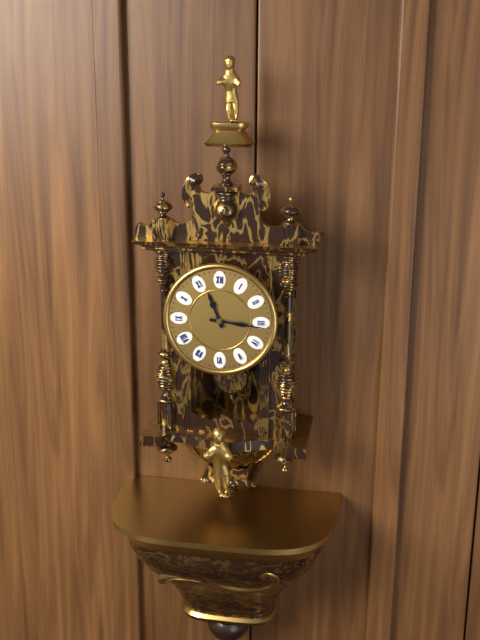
11:16
